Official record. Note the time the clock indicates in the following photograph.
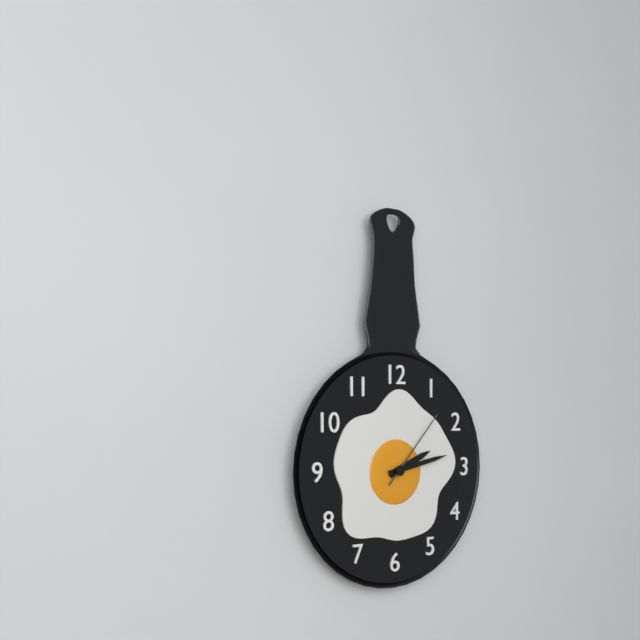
2:13:07
